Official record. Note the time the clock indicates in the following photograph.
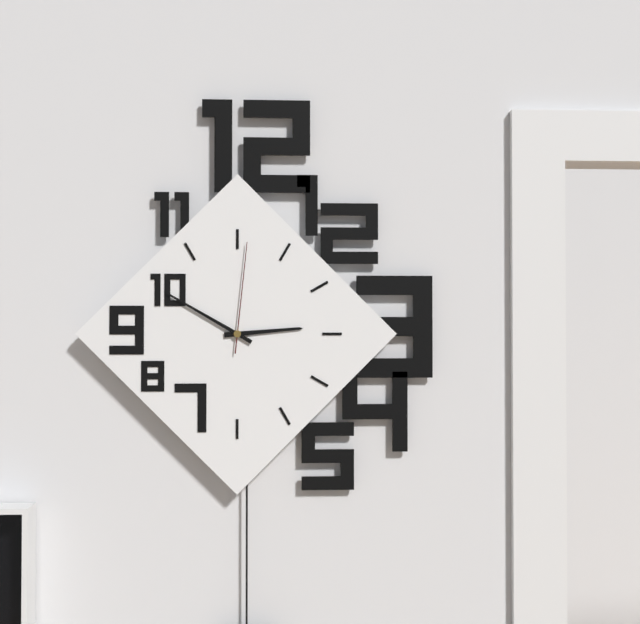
2:50:01
